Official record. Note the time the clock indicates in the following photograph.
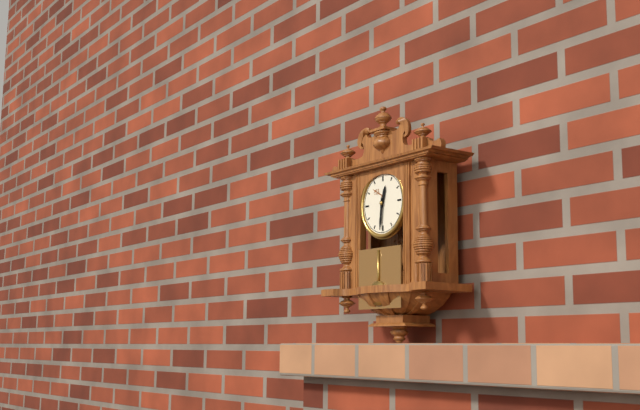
12:31
